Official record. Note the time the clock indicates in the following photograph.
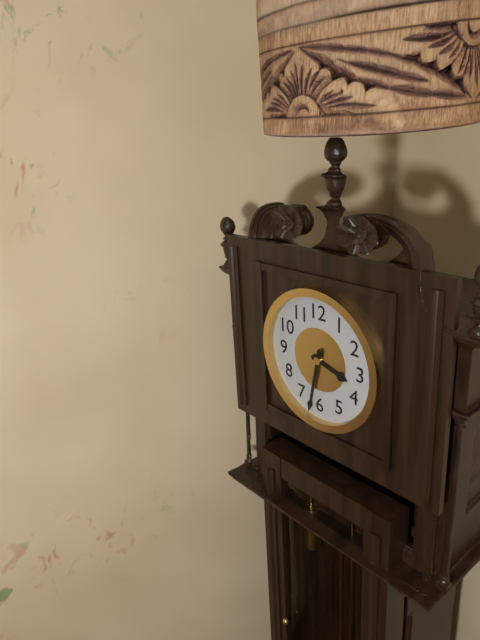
3:32
